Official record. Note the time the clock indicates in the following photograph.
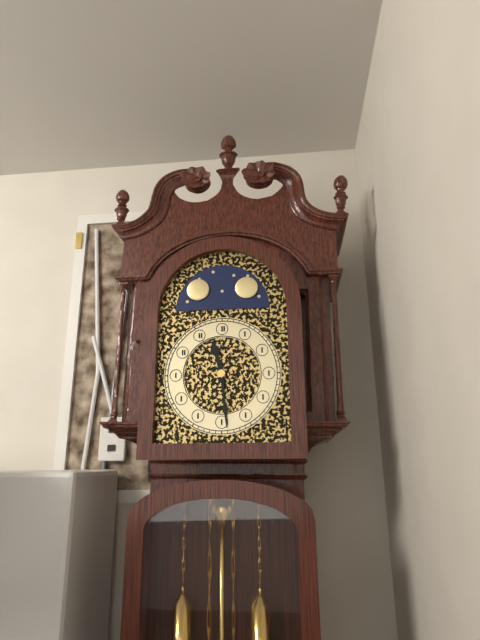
11:29
